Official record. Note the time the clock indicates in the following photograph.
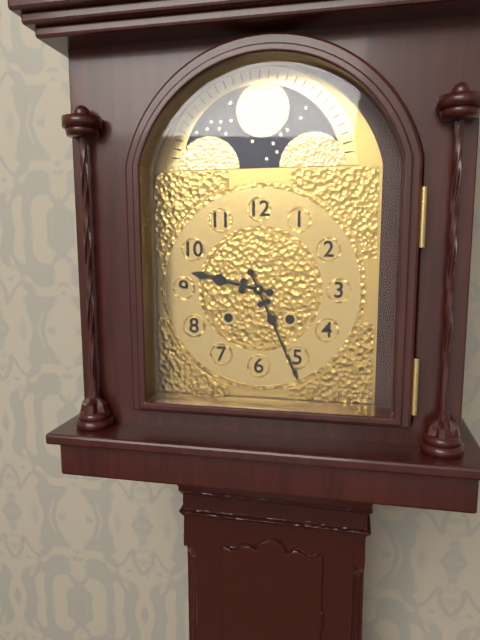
9:26
